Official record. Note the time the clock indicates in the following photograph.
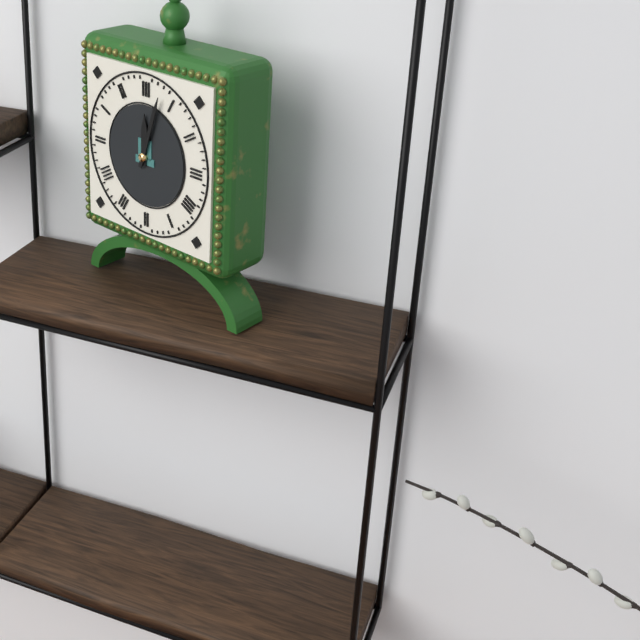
12:03
